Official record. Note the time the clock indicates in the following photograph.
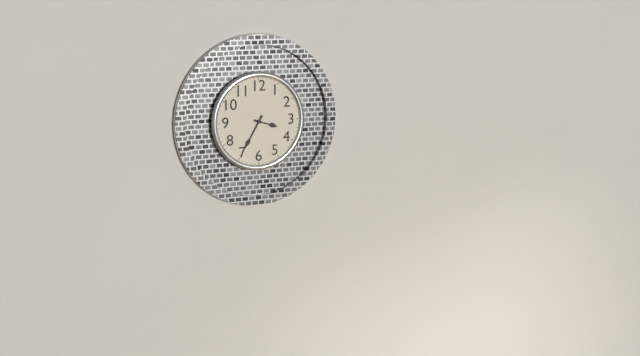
3:35
